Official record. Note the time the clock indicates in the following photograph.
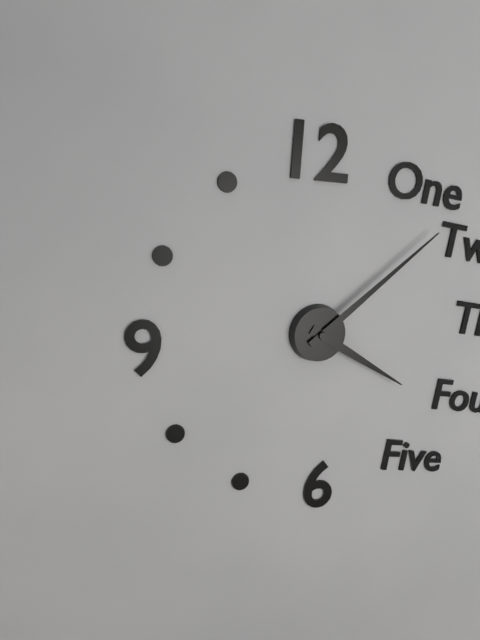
4:09
